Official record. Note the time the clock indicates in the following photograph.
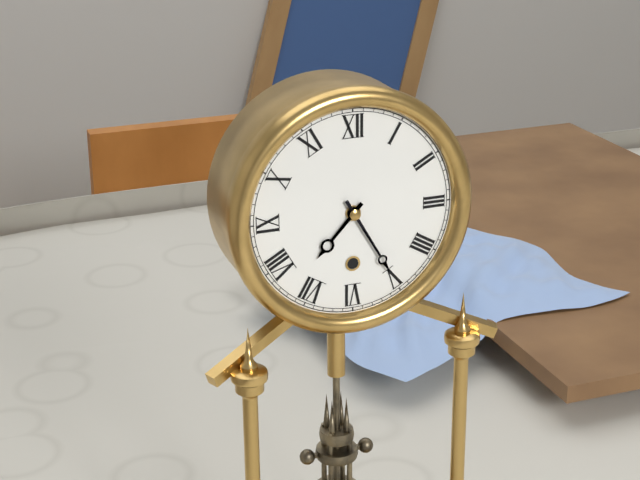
7:25
